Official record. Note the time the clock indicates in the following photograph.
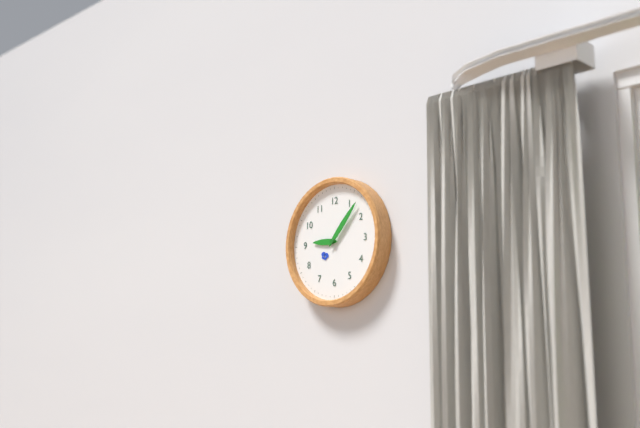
9:07
